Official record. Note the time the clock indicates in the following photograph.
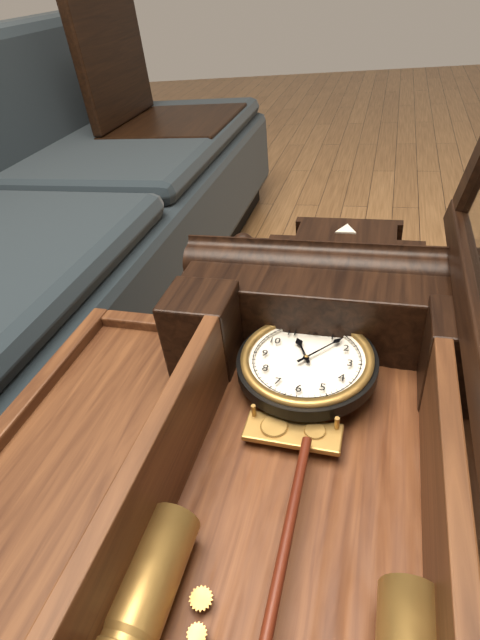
11:07
